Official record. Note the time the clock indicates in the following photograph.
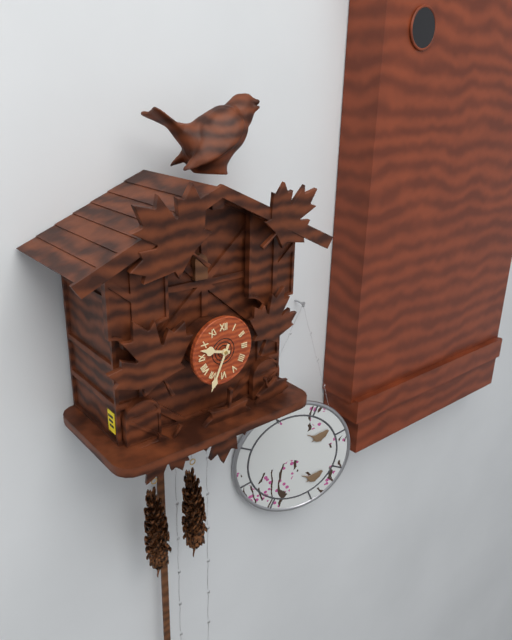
9:34
